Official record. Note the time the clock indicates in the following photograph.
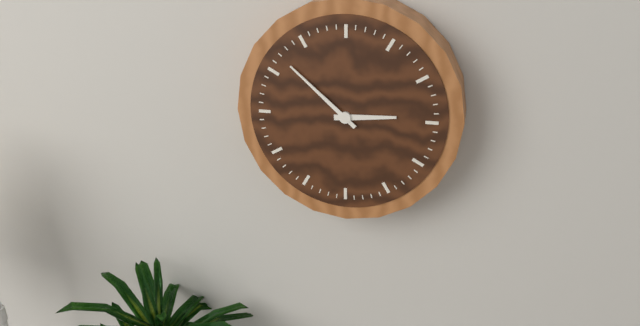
2:52
